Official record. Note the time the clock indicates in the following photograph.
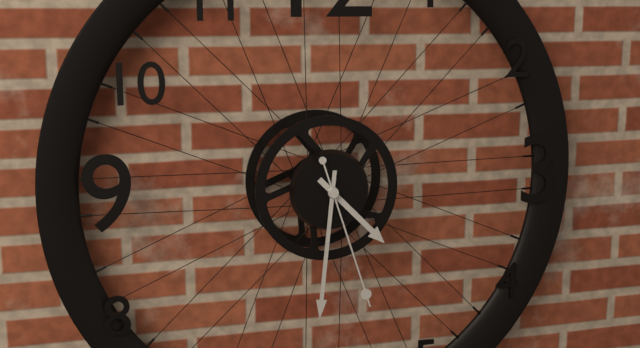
4:31:27
